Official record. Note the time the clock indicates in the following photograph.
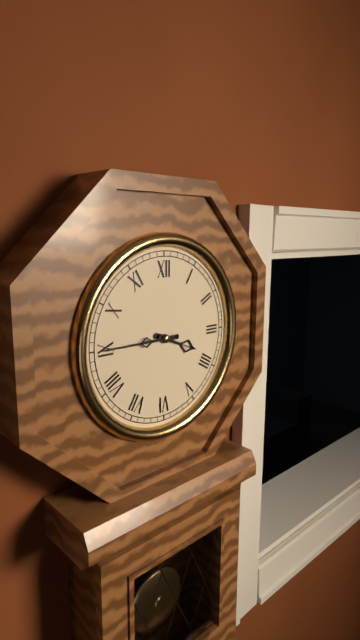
3:45
